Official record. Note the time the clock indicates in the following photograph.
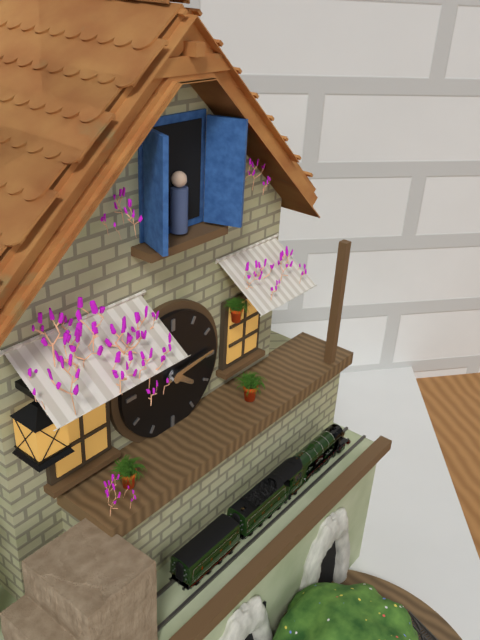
4:14
